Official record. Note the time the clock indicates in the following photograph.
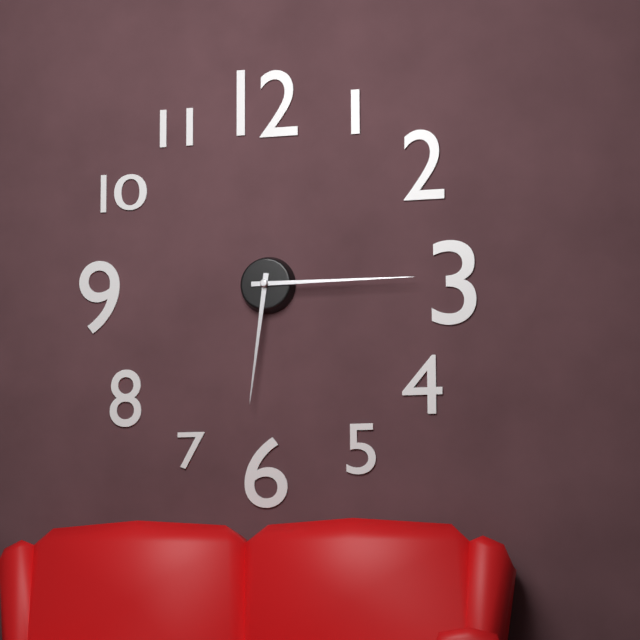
6:15
